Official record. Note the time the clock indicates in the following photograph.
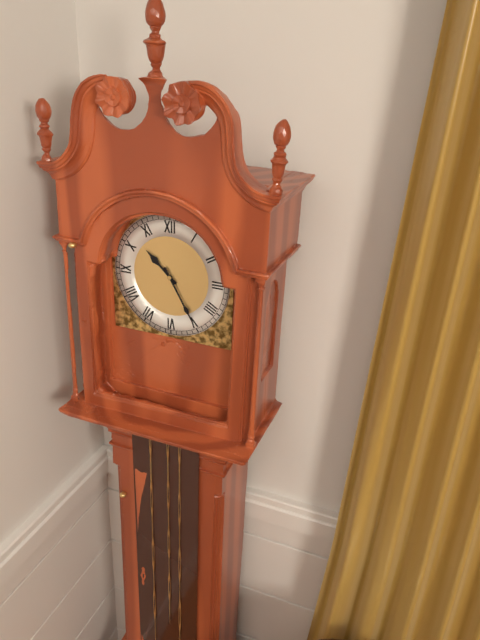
10:25
